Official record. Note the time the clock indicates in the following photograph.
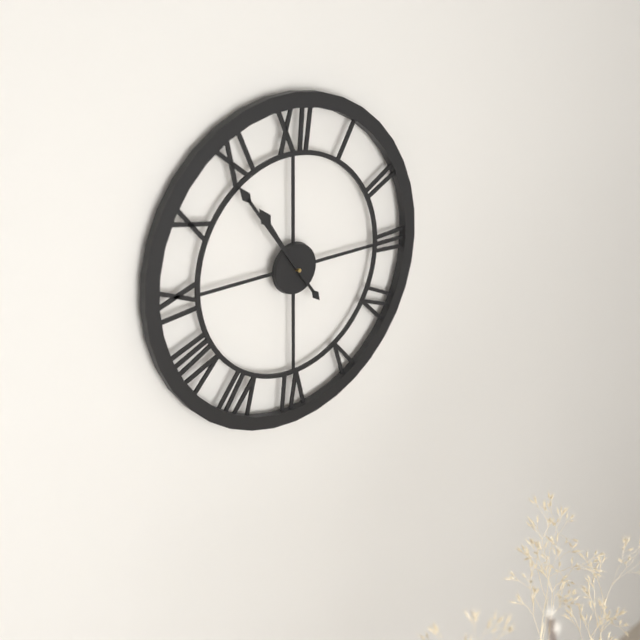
10:54
